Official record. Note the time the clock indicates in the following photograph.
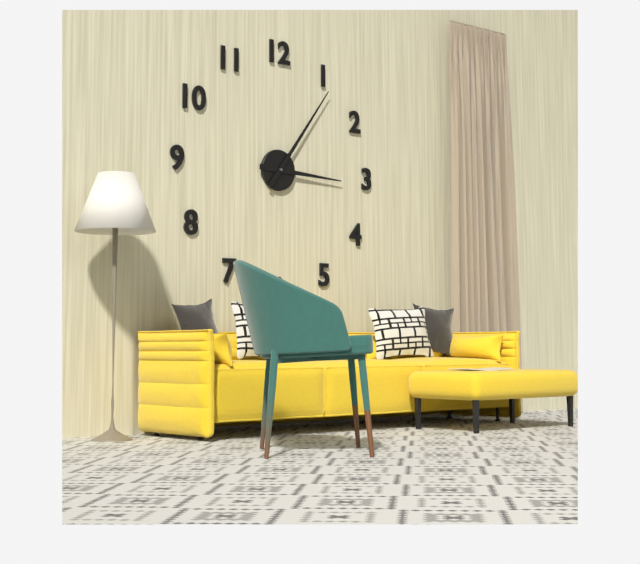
3:06
